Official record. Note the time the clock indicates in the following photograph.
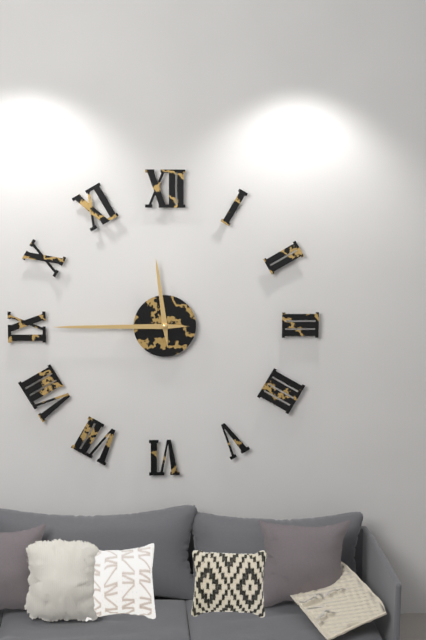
11:45
